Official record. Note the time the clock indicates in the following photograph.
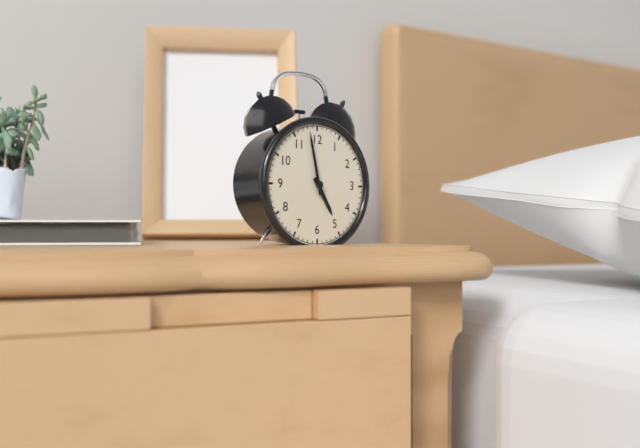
4:58
